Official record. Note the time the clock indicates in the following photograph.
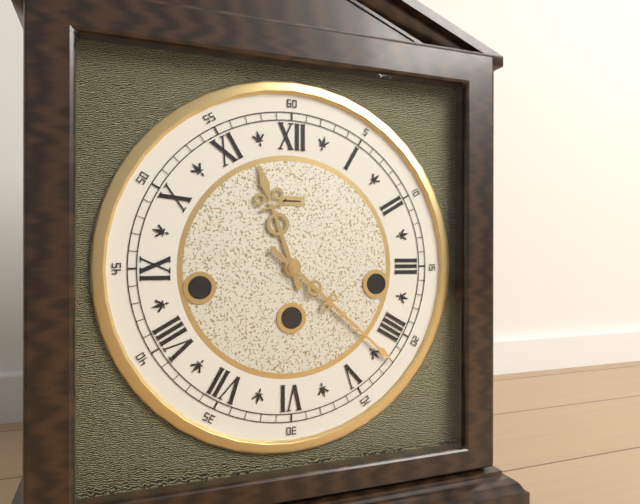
11:22
